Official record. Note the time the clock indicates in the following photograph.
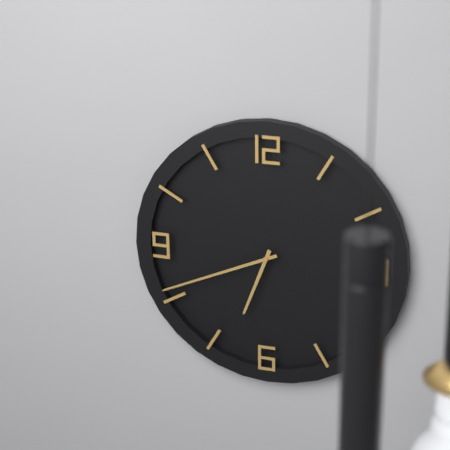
6:41
